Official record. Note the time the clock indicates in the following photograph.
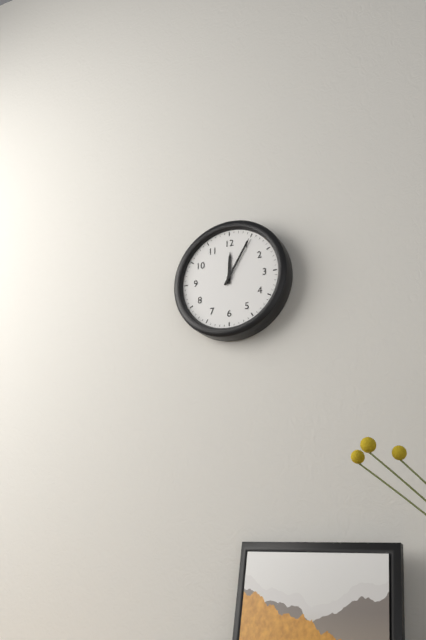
12:05
